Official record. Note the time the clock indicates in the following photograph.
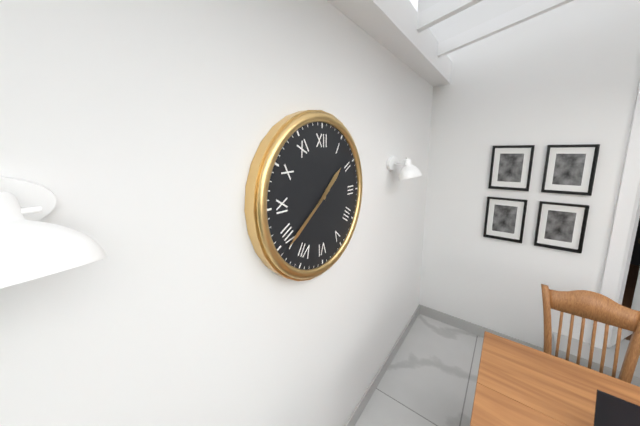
1:39
